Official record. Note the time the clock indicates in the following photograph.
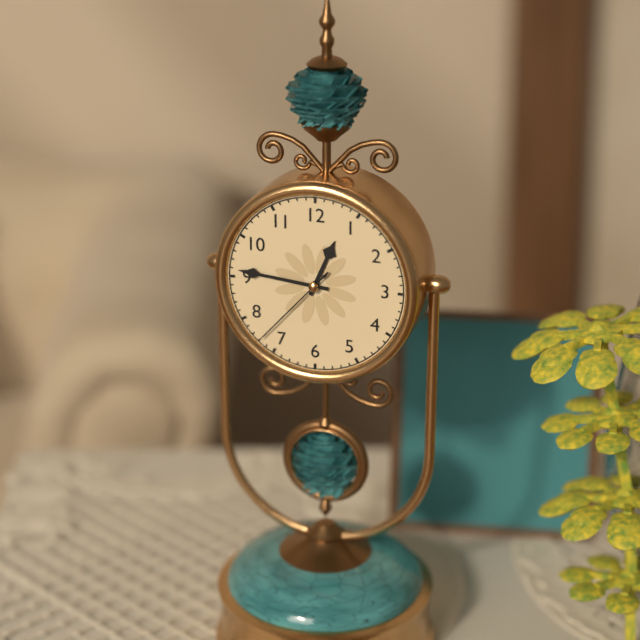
12:46:37
